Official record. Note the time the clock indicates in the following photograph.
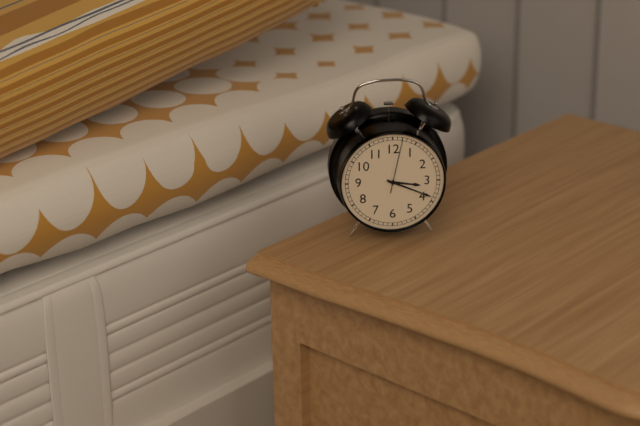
3:19:02
